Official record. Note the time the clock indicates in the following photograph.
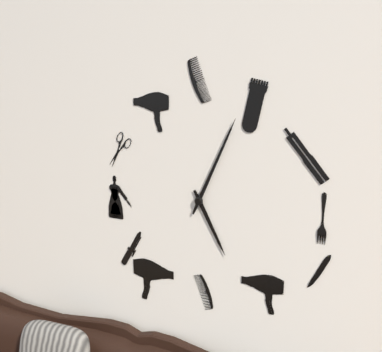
5:04
